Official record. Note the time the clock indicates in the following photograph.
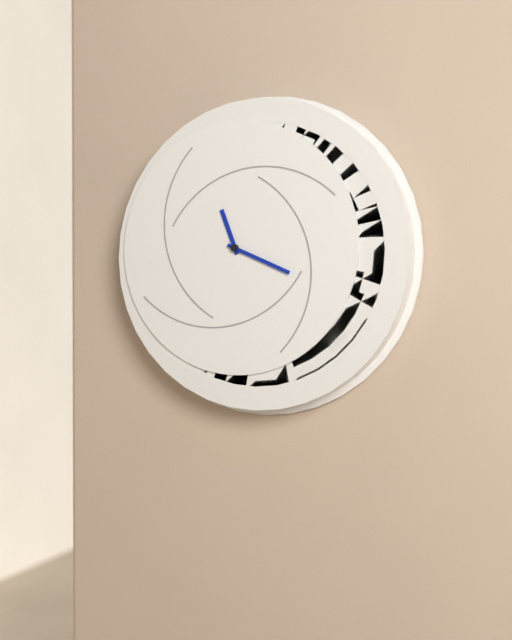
11:19
